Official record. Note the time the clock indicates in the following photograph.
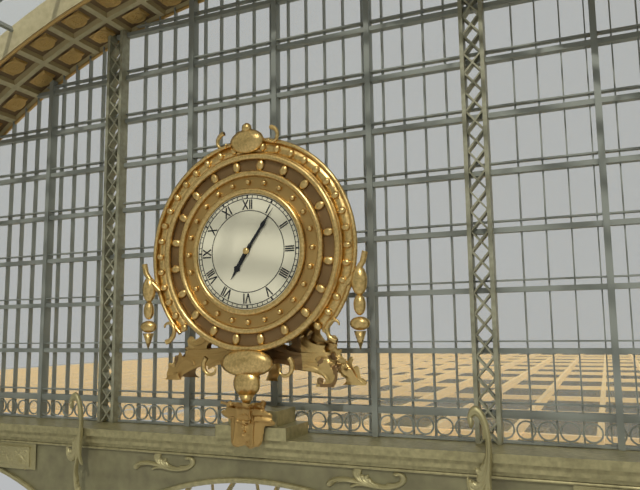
7:06
